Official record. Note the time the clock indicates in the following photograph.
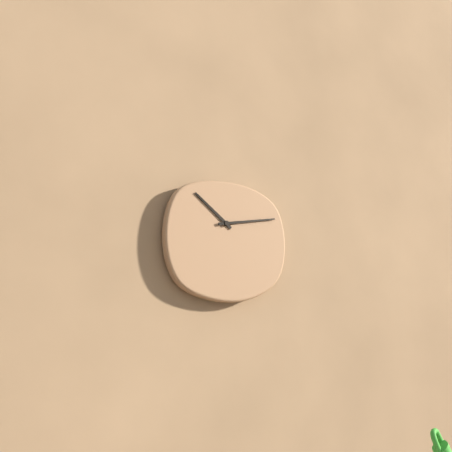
10:13
